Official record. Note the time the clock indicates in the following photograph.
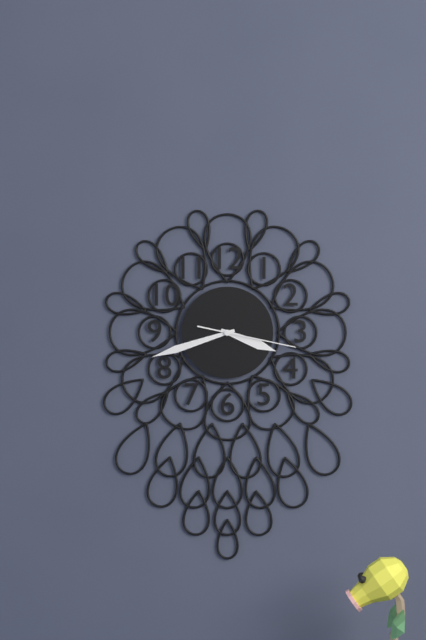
3:42:17
